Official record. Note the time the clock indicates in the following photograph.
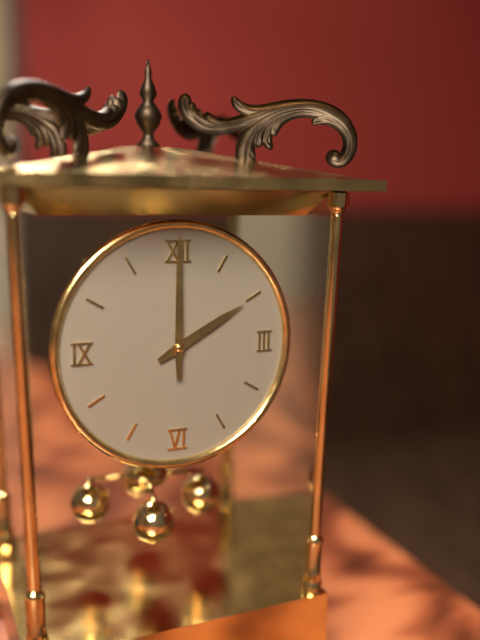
2:00
